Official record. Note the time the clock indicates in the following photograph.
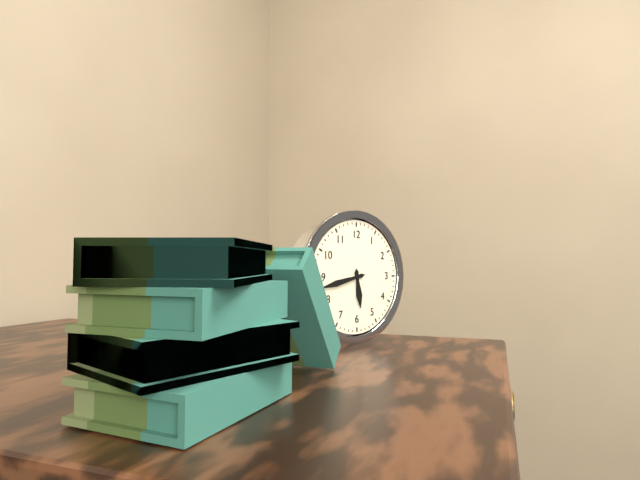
5:43
